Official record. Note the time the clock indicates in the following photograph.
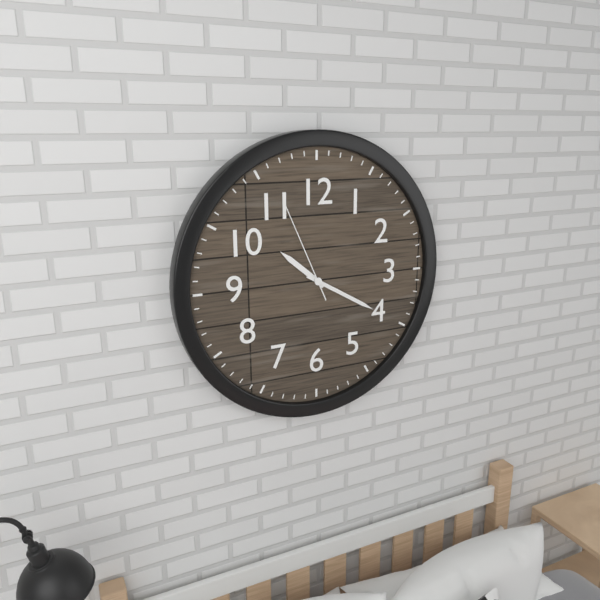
10:20:56
